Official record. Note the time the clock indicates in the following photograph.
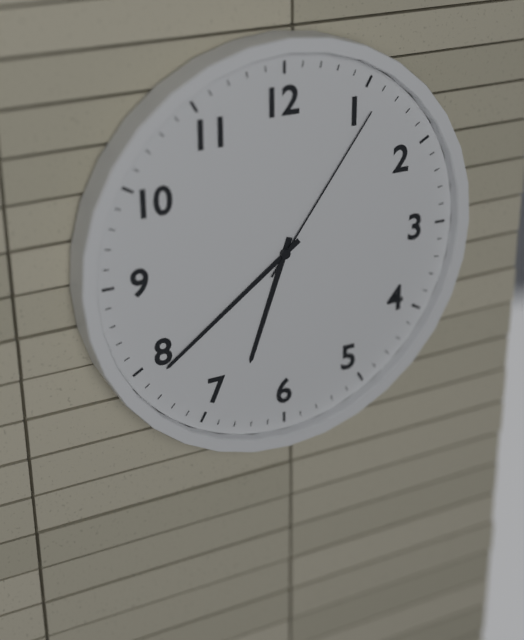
6:39:06
